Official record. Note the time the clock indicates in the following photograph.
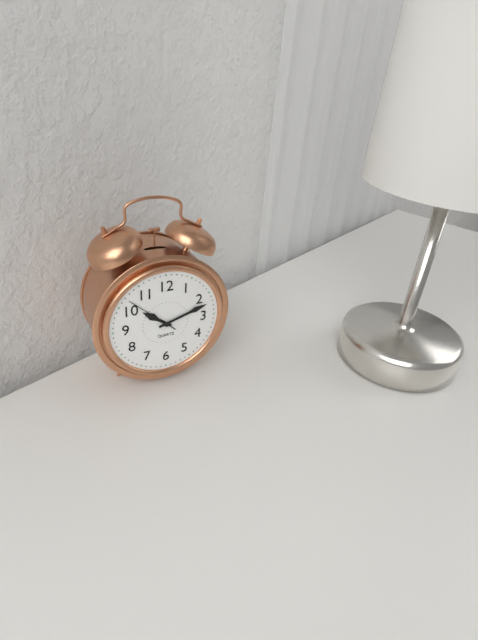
10:12:52
